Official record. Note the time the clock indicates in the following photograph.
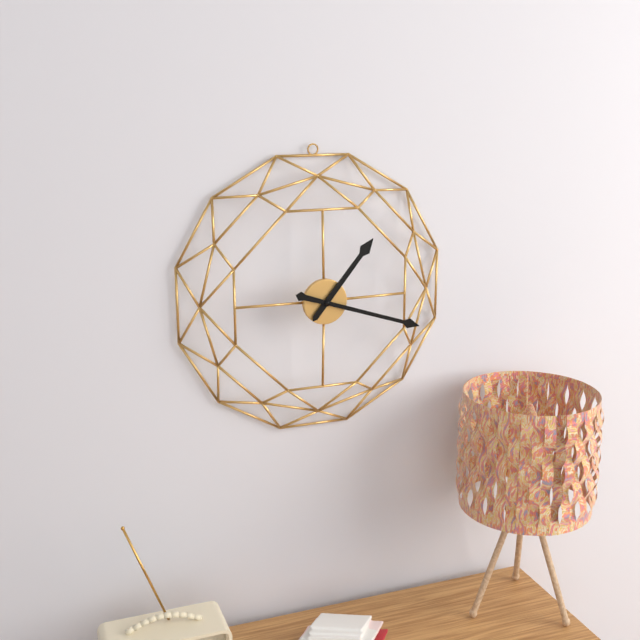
1:18
